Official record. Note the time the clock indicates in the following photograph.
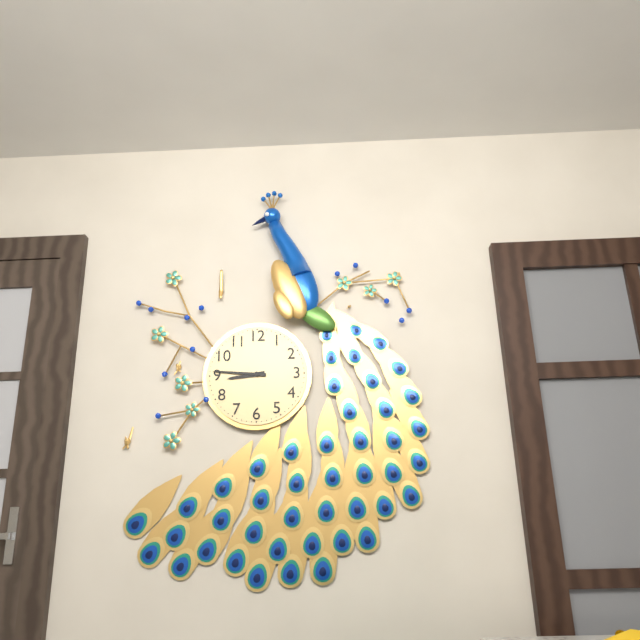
8:46
